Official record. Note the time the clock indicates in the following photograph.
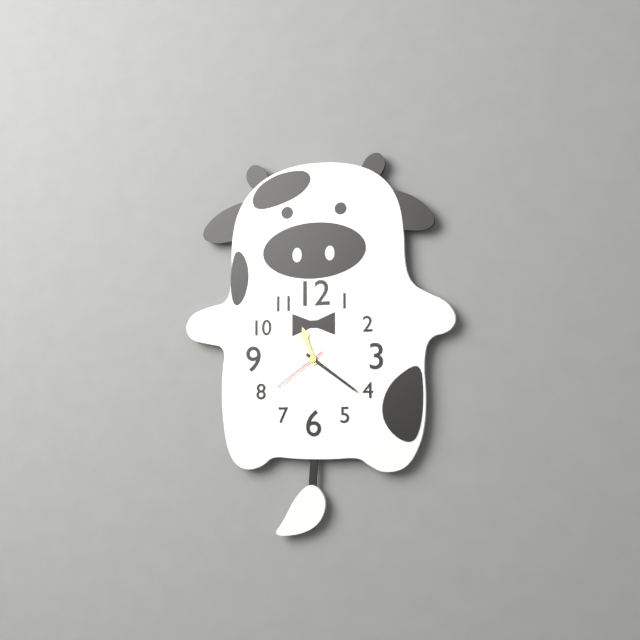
11:21:39
